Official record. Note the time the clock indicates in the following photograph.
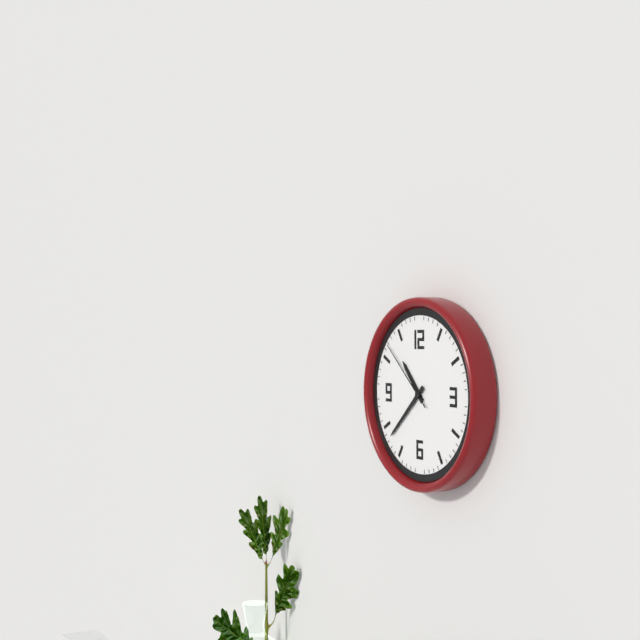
10:38:52
